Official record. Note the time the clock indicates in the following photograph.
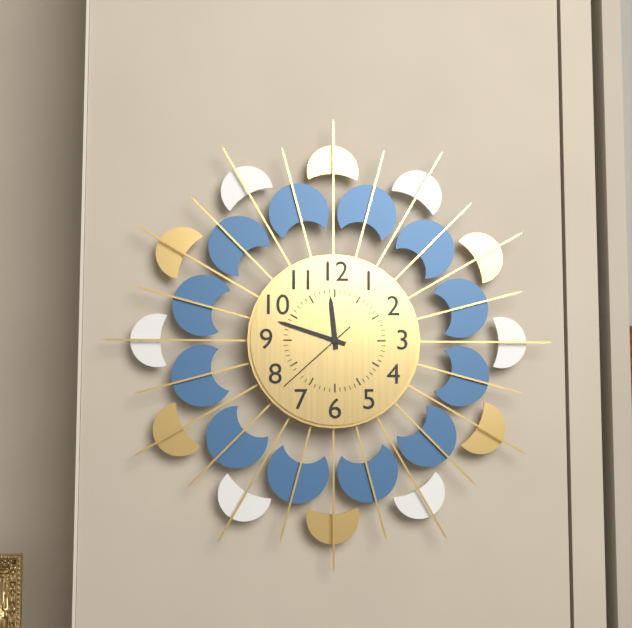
11:48:38
